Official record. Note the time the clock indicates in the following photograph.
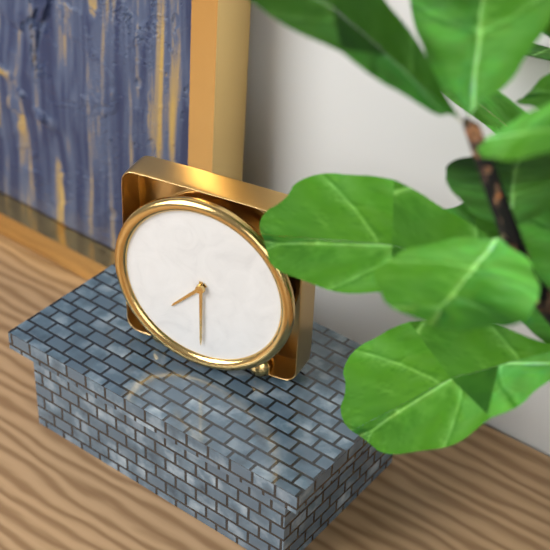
7:30
